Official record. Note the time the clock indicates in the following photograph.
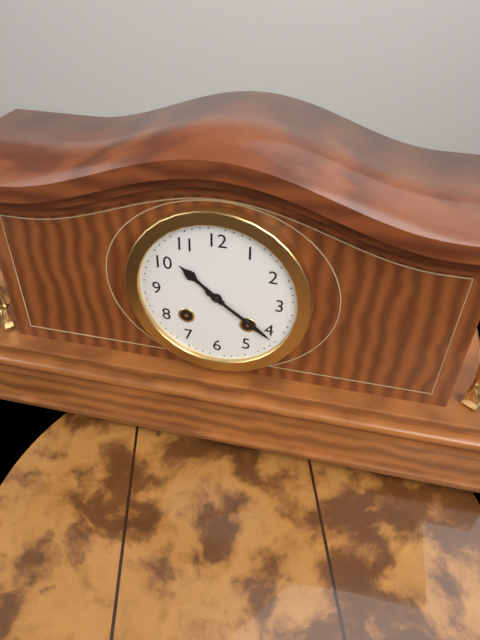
10:21
